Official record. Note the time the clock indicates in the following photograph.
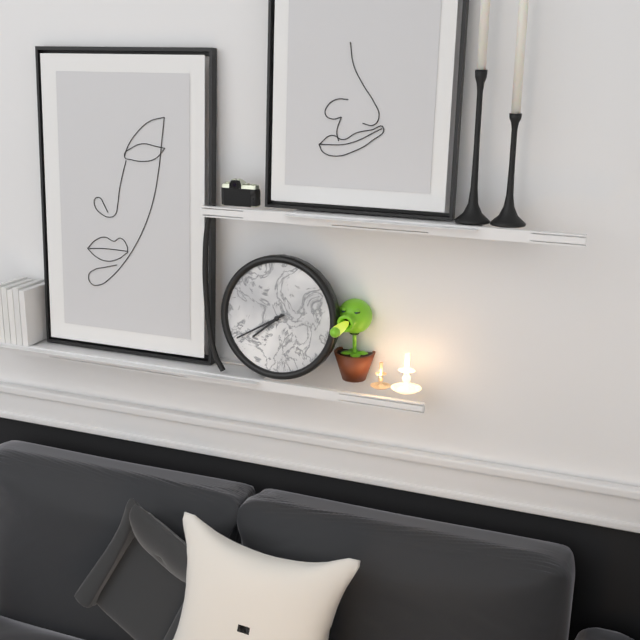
7:40
